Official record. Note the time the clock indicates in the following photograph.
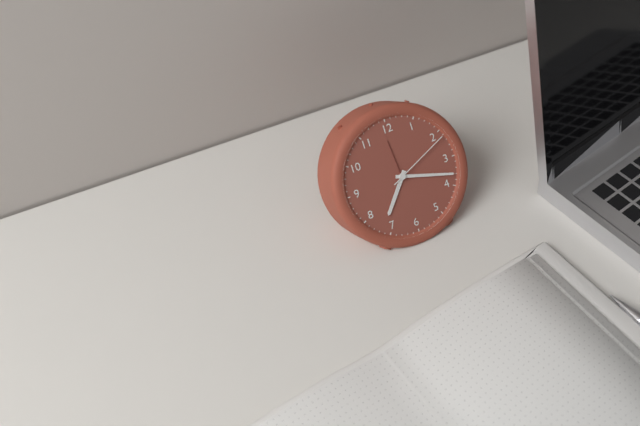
7:18:11
